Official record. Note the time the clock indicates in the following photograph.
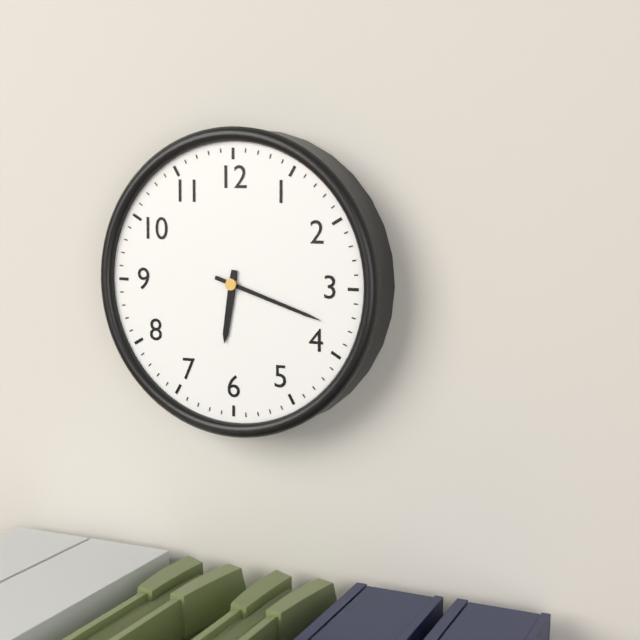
6:18
